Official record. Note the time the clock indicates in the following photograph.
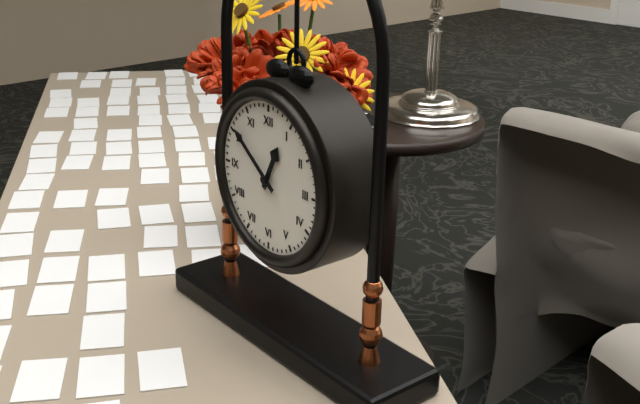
12:51
